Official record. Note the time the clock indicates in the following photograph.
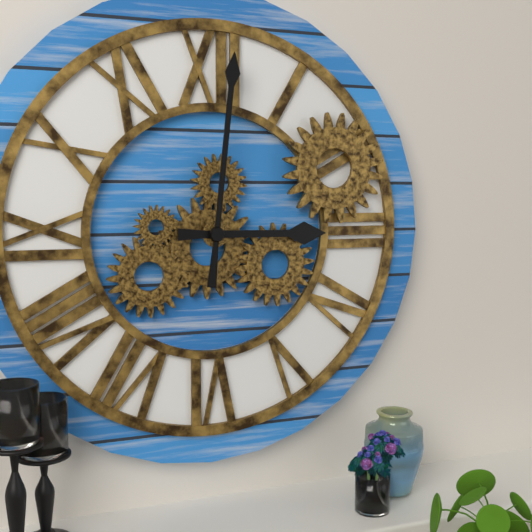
3:01
